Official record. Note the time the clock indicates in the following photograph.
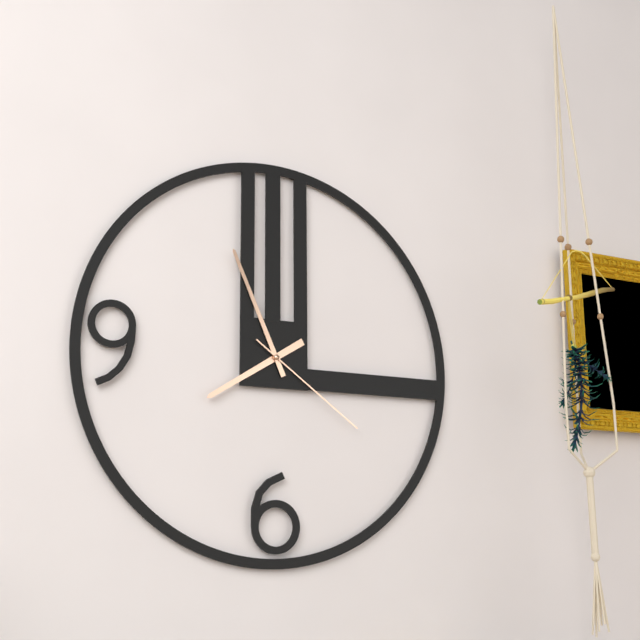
7:56:21
